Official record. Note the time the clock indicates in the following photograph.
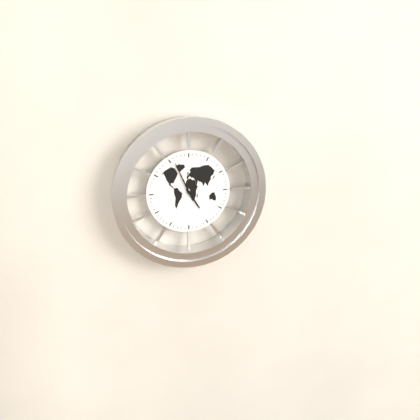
4:56
